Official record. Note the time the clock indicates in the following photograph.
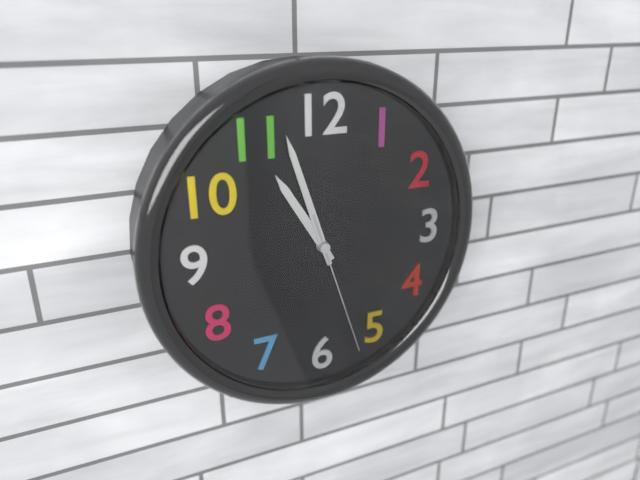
10:57:27
